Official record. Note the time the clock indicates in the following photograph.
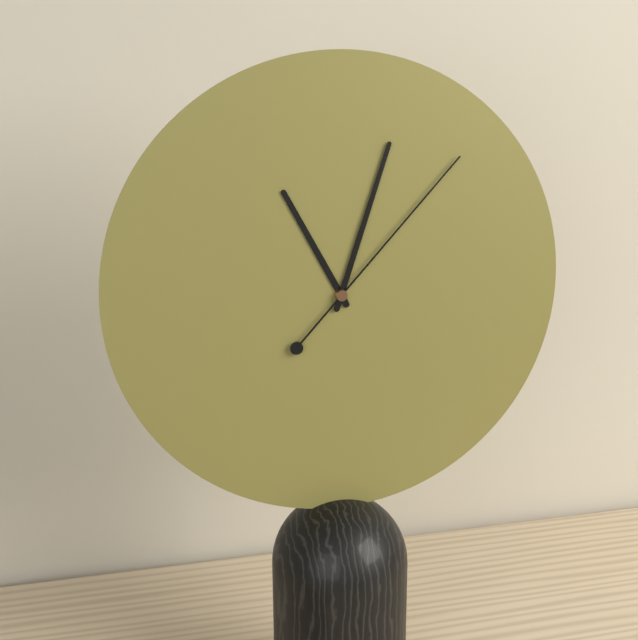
11:03:07
